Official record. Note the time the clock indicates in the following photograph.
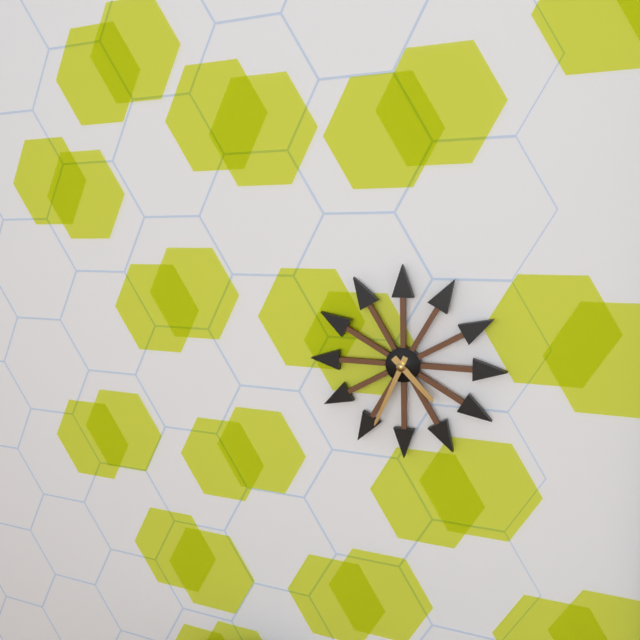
4:34
